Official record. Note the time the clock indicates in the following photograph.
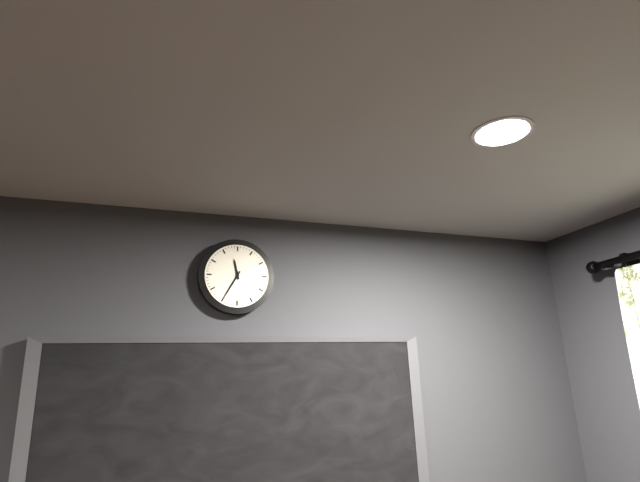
11:35
